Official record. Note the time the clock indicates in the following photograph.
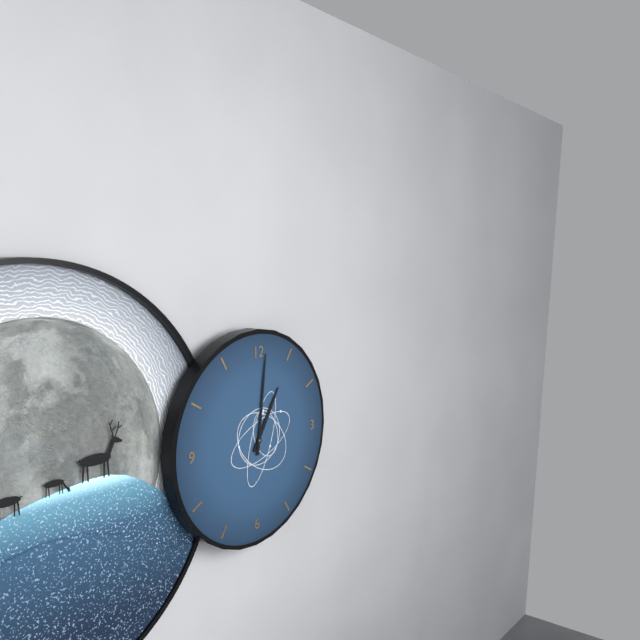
1:01
